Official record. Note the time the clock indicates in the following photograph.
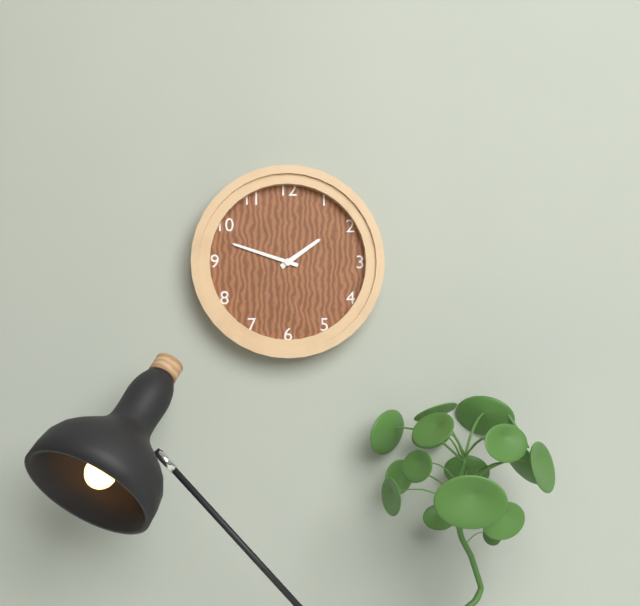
1:48
